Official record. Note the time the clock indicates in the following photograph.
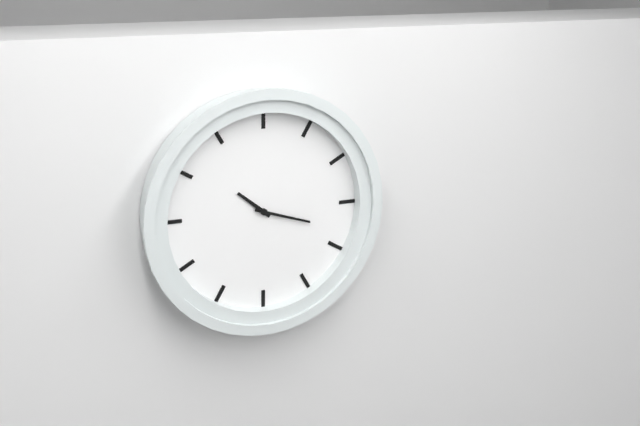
10:18
